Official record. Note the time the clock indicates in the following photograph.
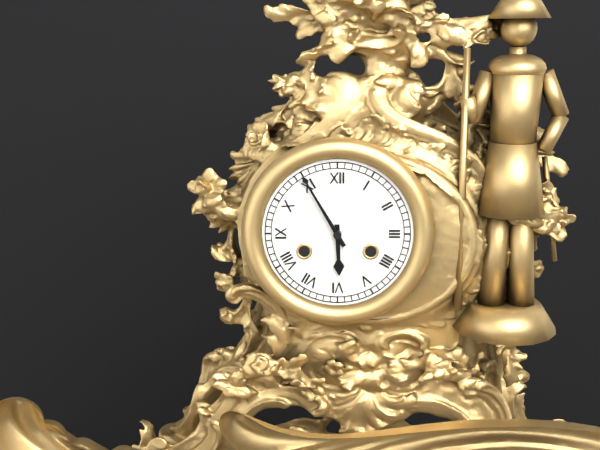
5:55
